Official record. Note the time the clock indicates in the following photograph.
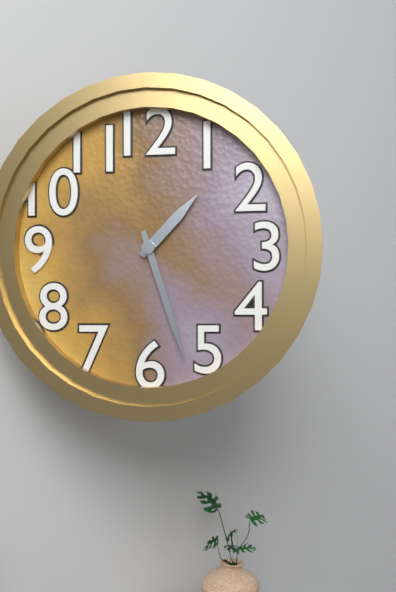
1:27
